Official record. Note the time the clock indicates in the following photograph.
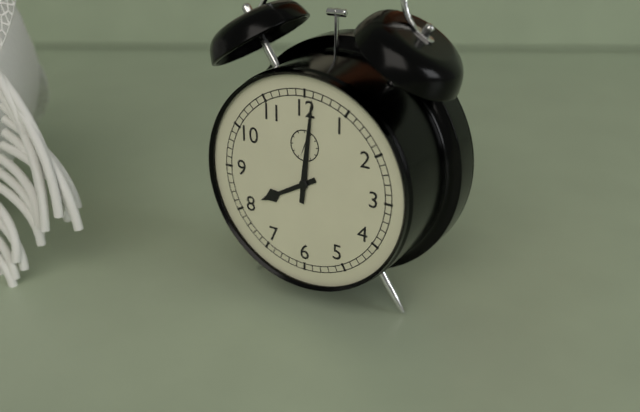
8:01
